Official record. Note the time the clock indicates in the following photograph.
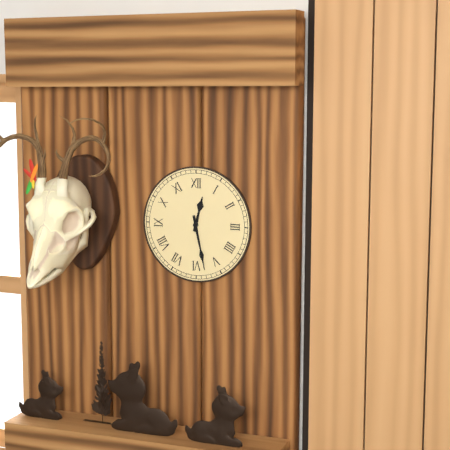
12:28
